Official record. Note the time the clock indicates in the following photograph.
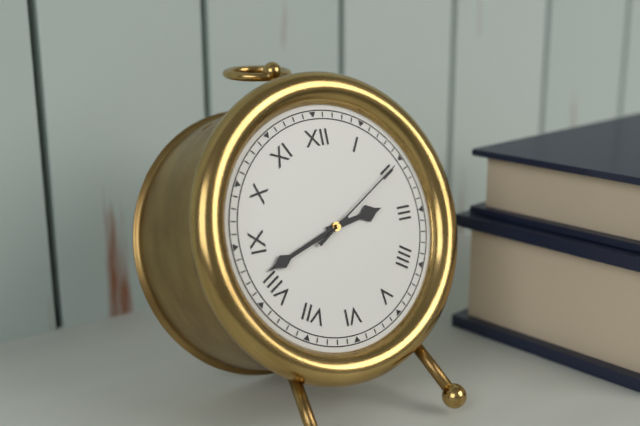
2:42:10
